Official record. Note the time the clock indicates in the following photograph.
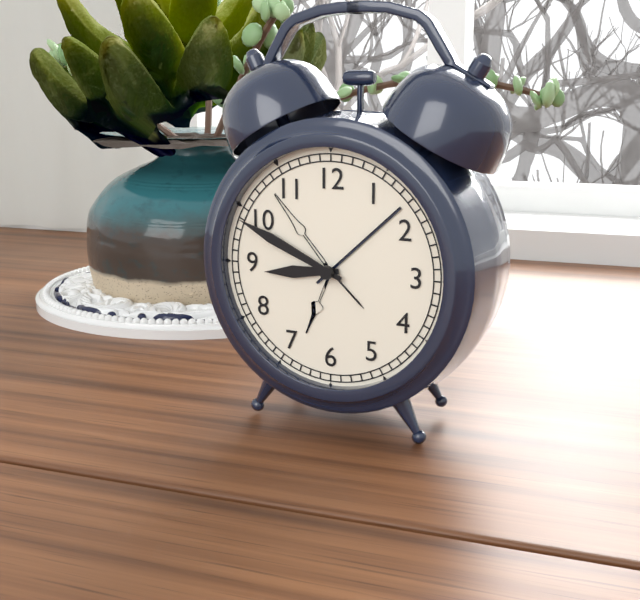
8:49
